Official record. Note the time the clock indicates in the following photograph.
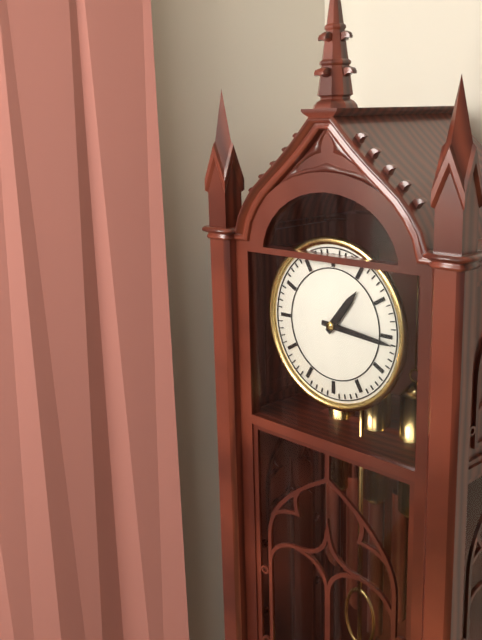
1:16
